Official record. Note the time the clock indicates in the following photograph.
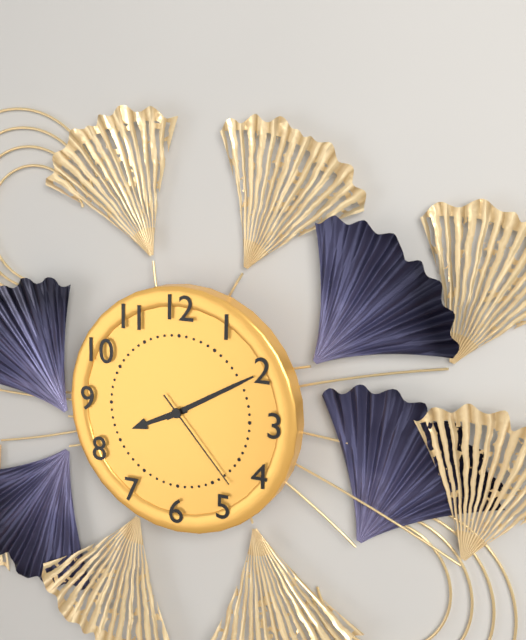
8:10:23
